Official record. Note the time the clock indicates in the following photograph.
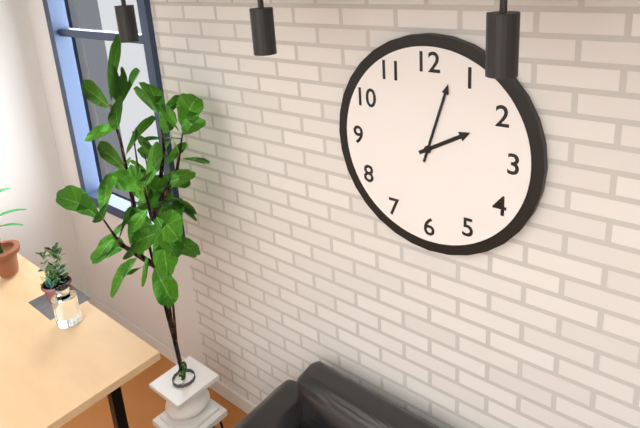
2:03
